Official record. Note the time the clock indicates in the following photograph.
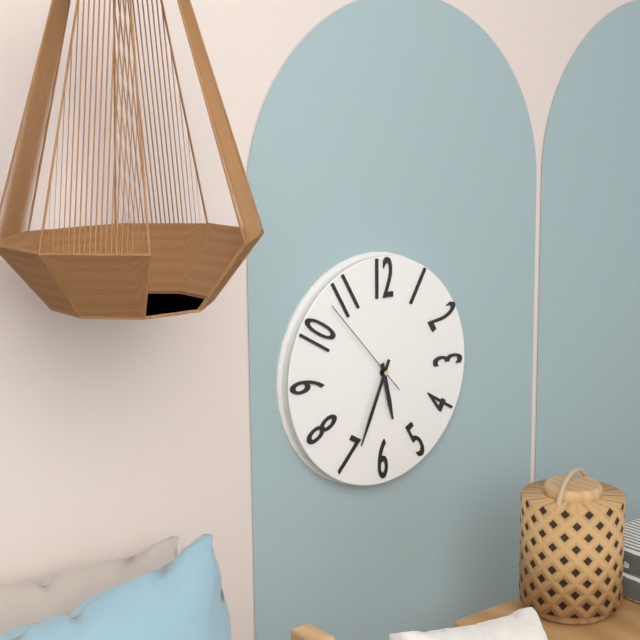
5:34:53
